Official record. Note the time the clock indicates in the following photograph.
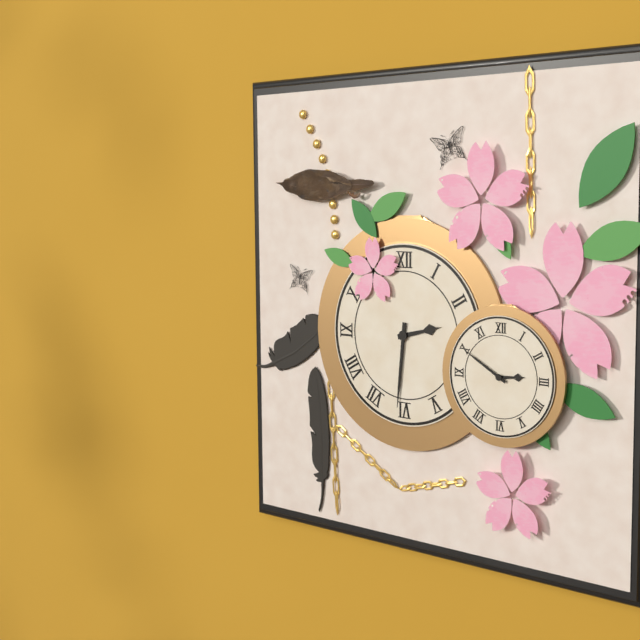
2:31
